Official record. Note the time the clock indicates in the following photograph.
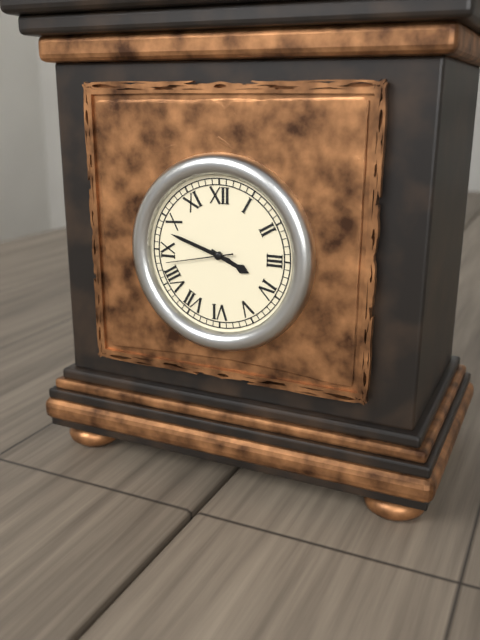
3:48:43
